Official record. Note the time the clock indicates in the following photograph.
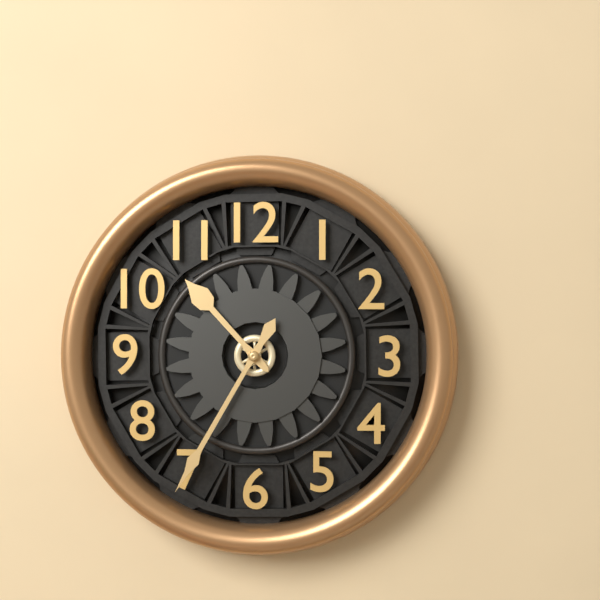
10:35
